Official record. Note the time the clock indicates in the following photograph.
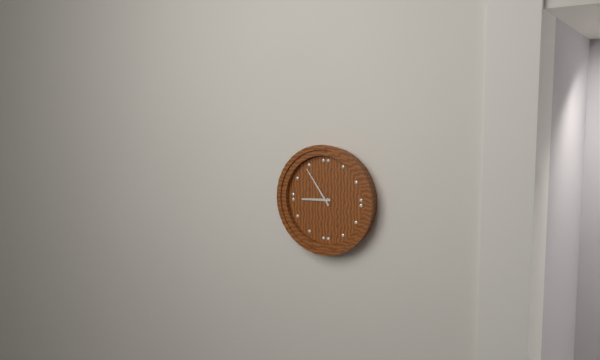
8:54
